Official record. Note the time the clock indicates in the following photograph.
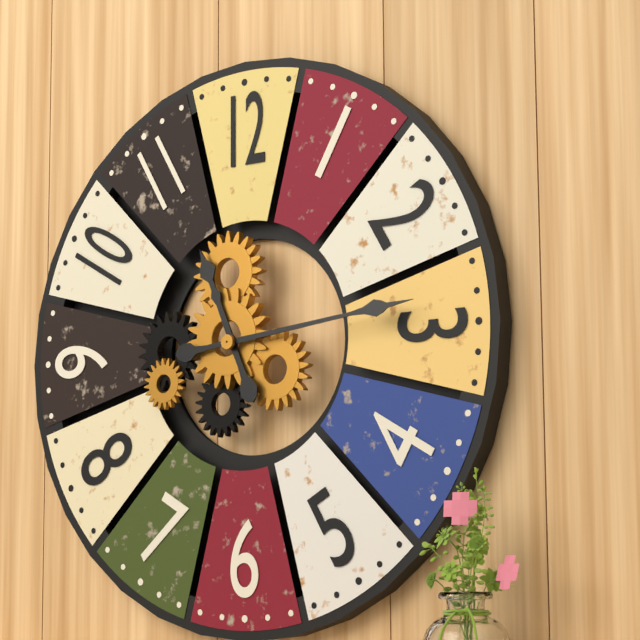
11:14
